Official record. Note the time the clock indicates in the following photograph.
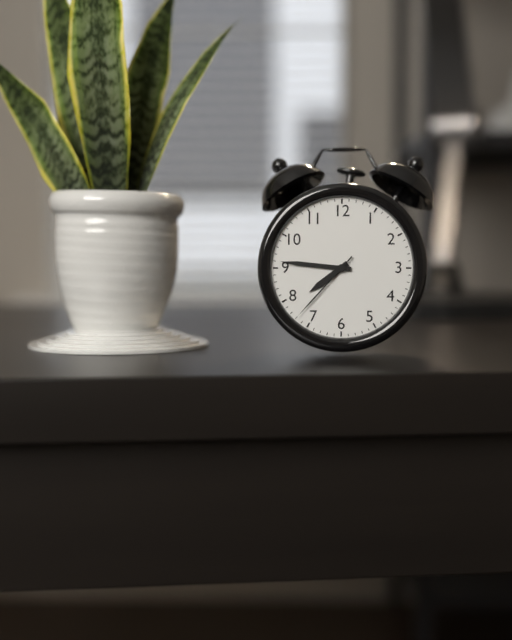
7:46:37
